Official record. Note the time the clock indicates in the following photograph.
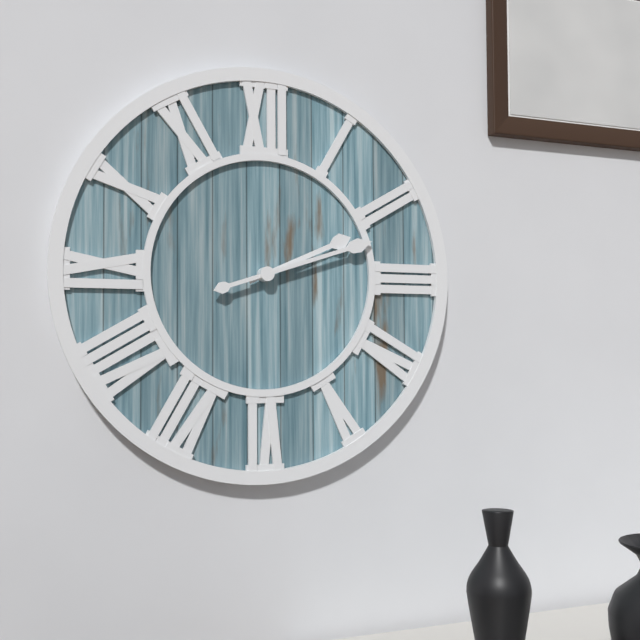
2:12
